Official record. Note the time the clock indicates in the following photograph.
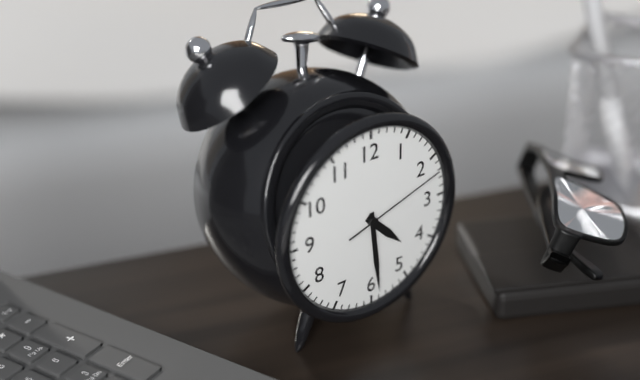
4:29:12
